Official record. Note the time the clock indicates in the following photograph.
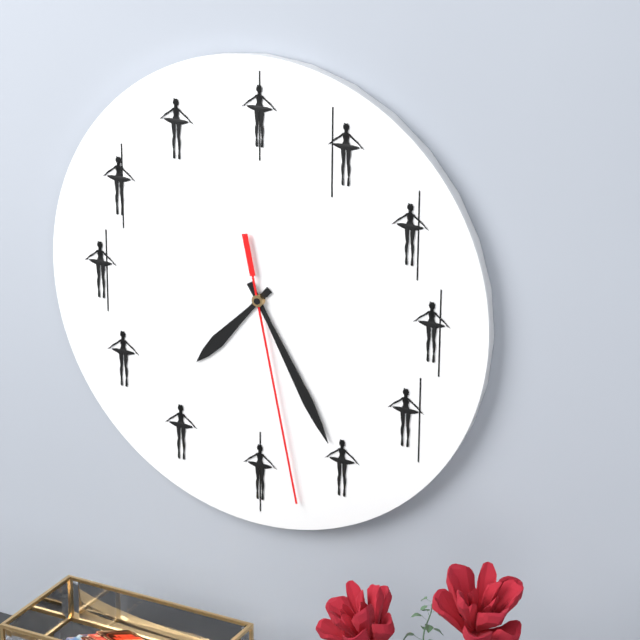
7:25:28
